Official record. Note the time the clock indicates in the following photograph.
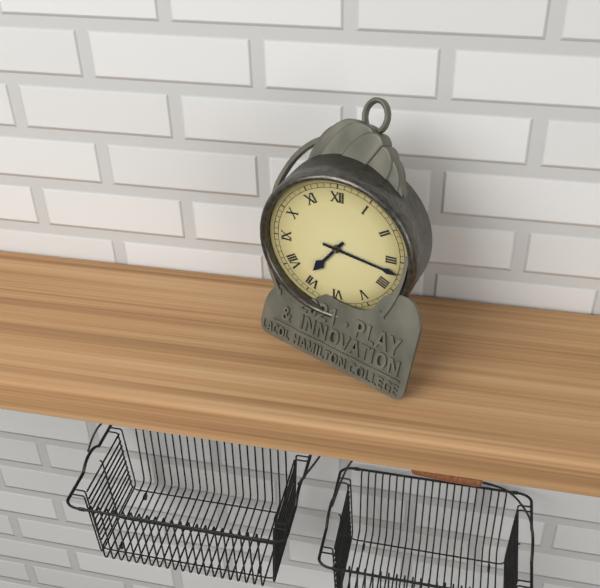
7:17
